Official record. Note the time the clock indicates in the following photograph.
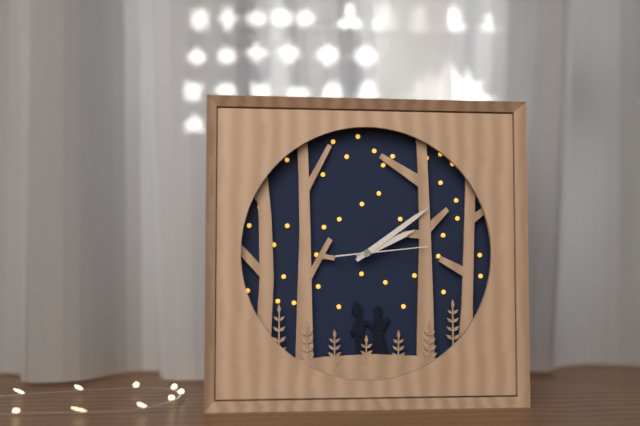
2:09:14
